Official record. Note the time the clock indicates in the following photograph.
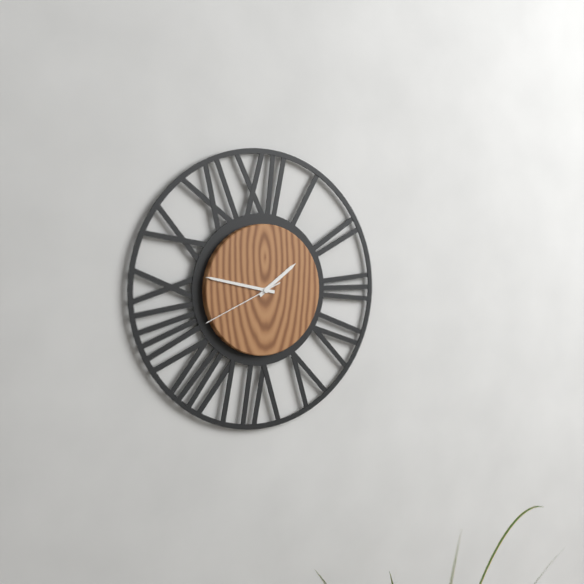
1:47:41
